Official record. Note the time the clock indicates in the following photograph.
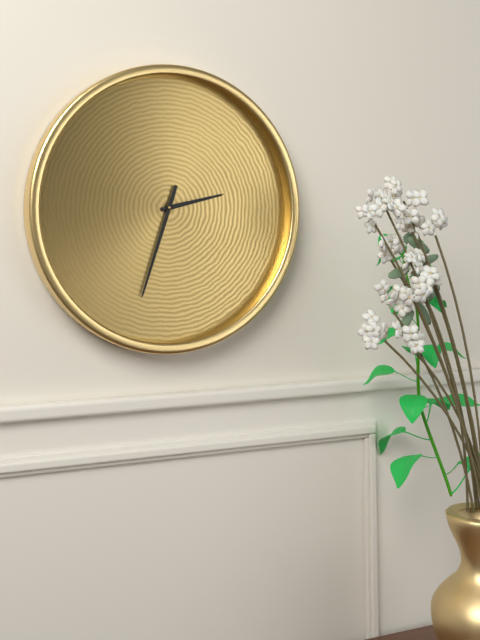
2:33
